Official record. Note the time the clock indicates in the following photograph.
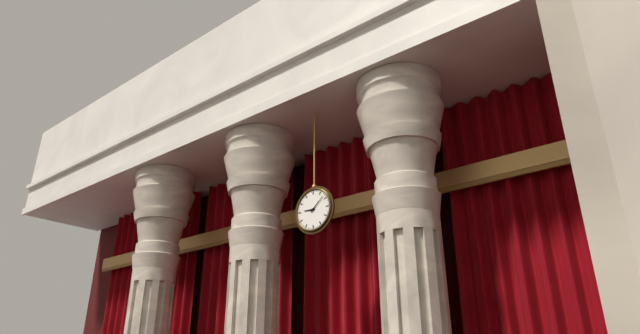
9:08
